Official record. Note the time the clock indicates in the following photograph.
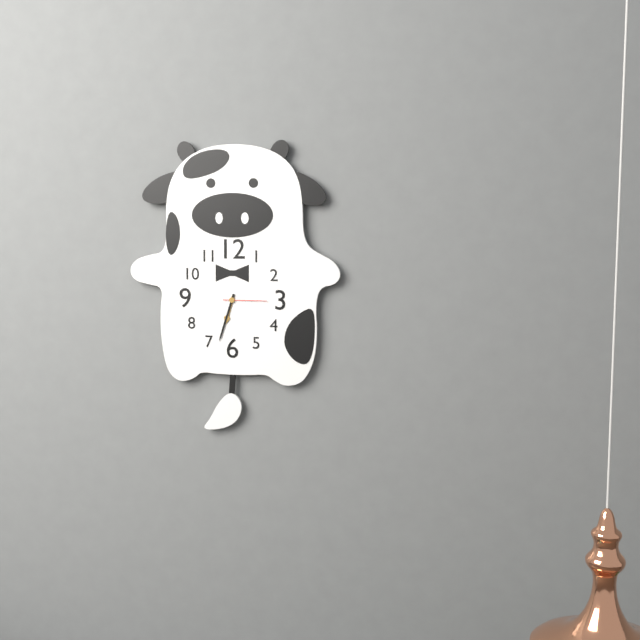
6:33
